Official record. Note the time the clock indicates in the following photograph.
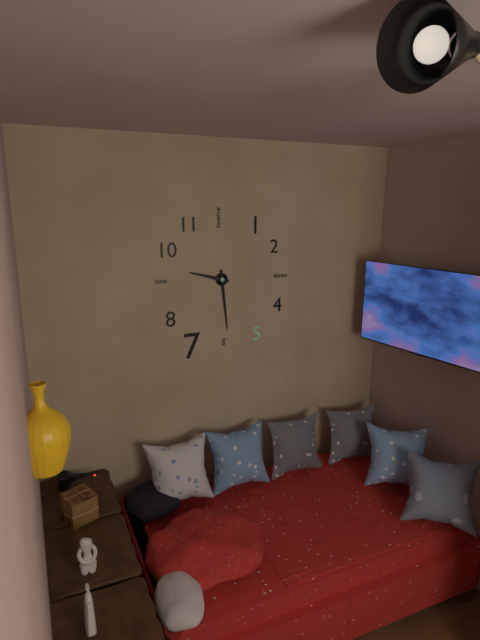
9:29
